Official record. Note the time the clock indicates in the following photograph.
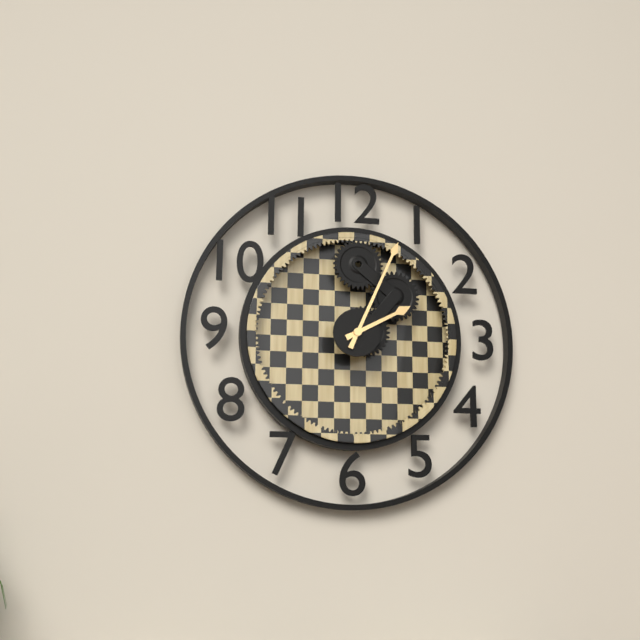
2:04
